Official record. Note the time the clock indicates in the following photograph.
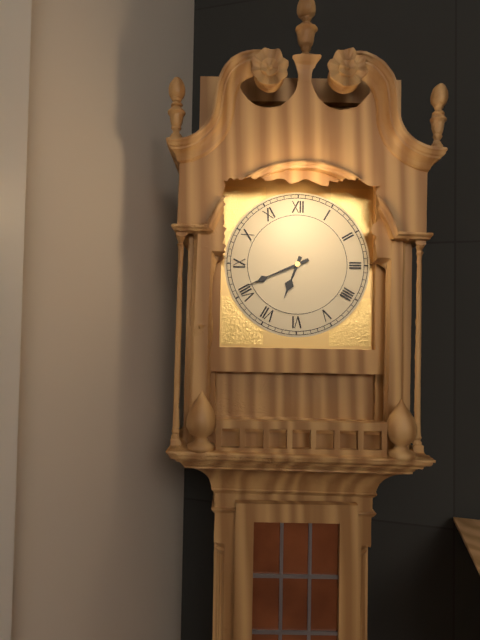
6:41
